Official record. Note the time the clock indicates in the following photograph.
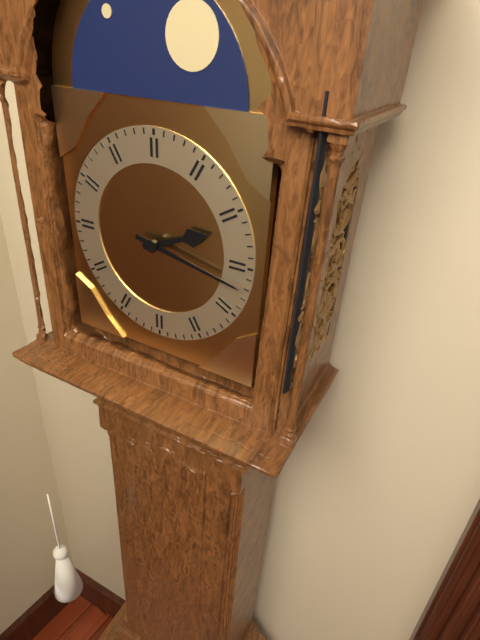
2:17
